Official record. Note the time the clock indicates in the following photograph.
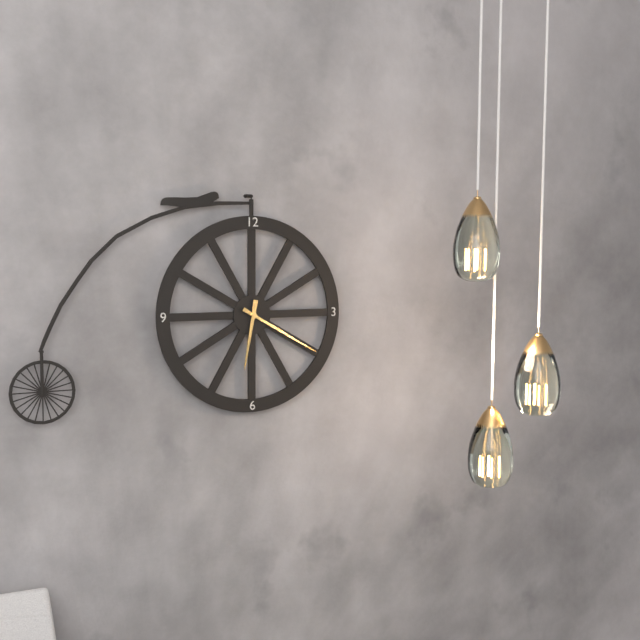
6:20
